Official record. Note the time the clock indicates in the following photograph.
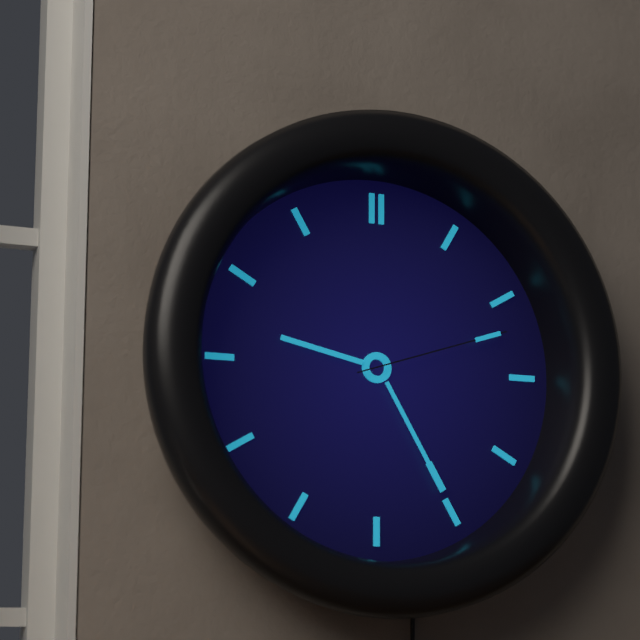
9:25:12
